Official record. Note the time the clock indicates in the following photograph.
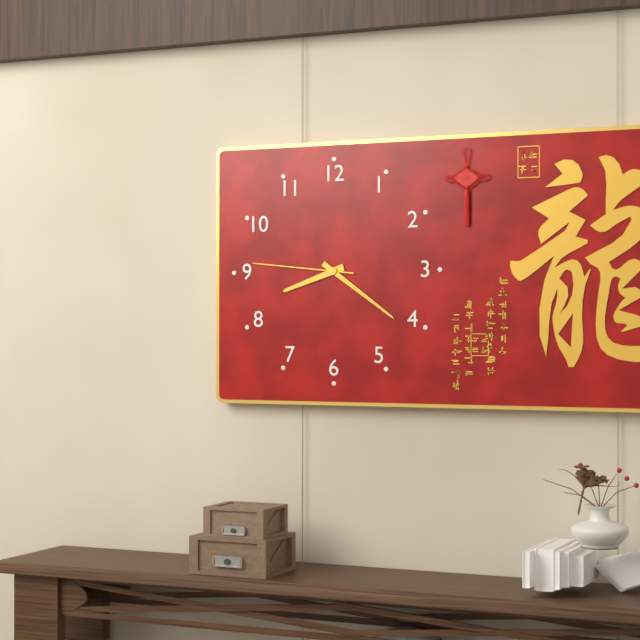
8:21:46
